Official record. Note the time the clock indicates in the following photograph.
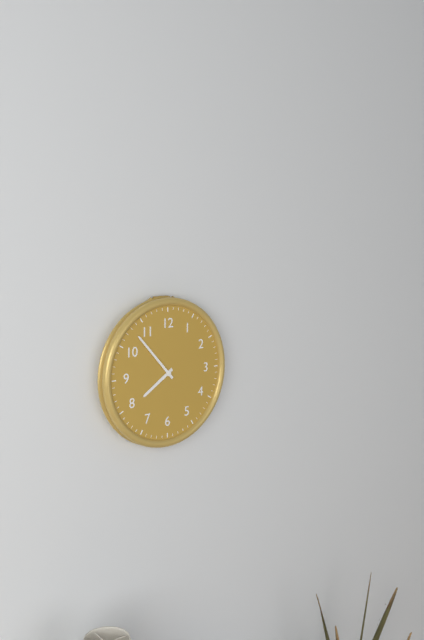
7:53
